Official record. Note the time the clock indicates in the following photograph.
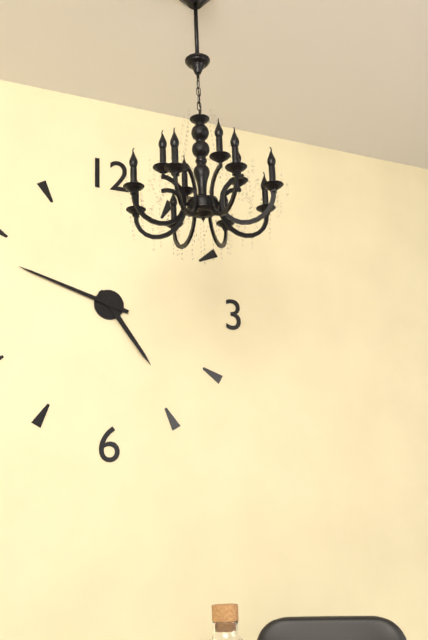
4:48
